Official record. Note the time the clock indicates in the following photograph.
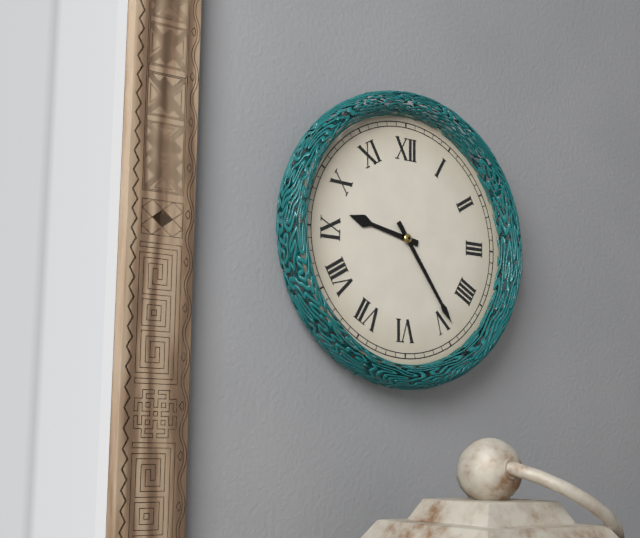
9:24
